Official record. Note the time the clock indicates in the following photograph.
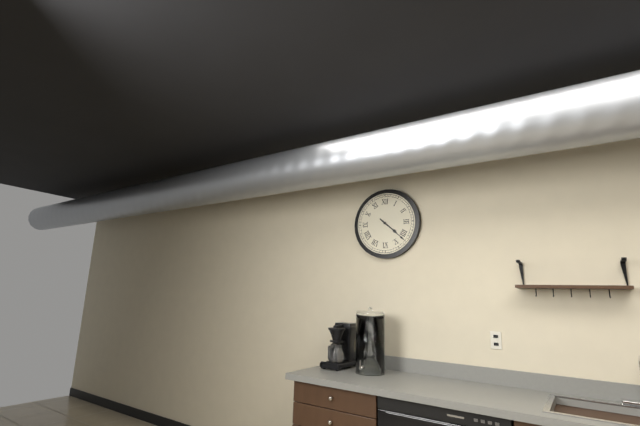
4:22
